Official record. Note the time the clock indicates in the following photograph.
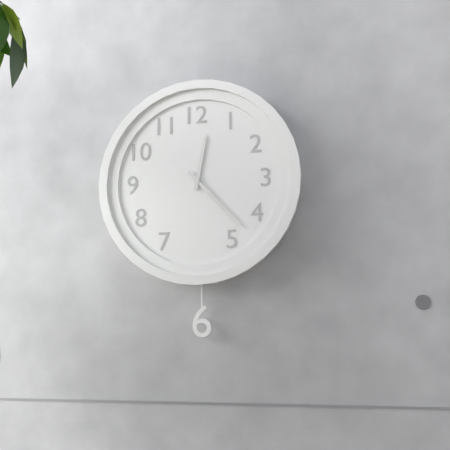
12:23
